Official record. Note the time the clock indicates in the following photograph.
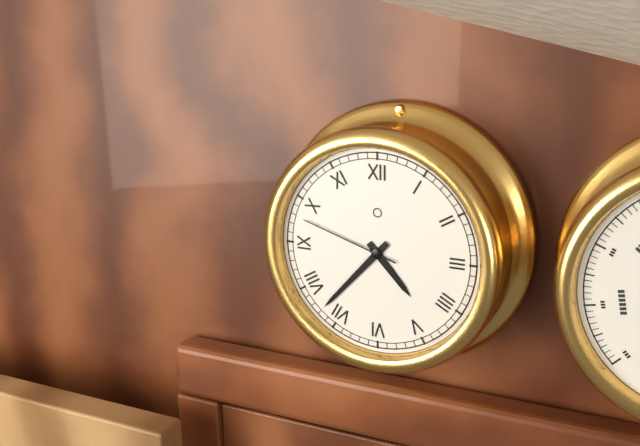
4:37:48
